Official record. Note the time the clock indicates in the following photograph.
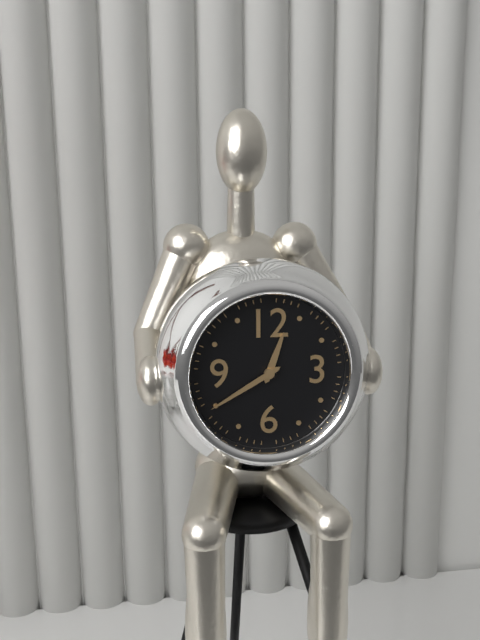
12:40
